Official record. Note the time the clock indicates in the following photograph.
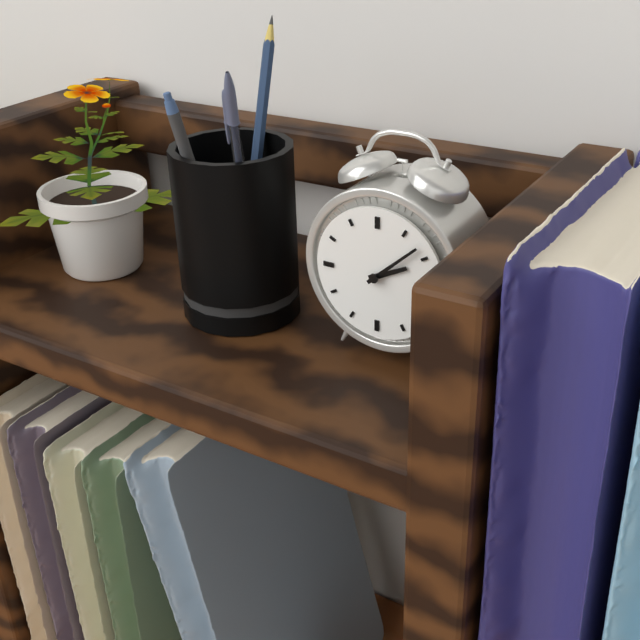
2:08
